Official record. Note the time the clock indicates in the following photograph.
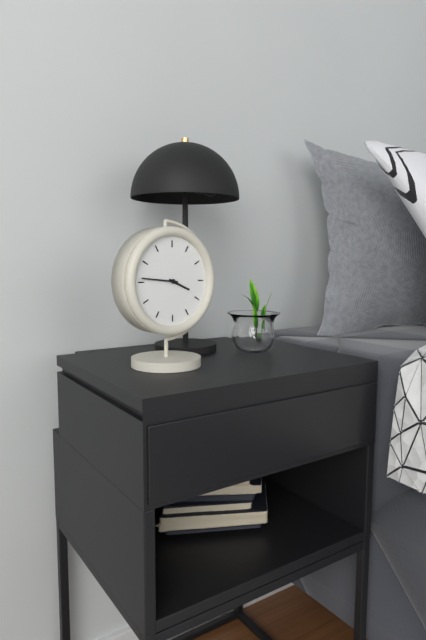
3:46
